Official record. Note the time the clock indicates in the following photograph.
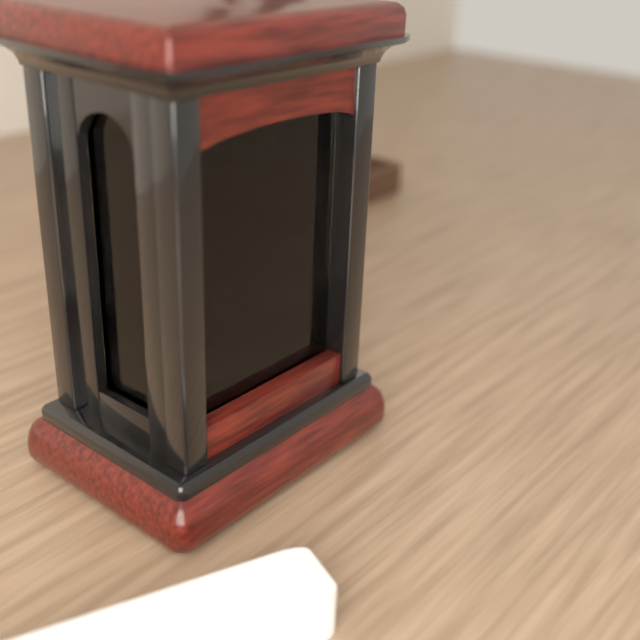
10:49
